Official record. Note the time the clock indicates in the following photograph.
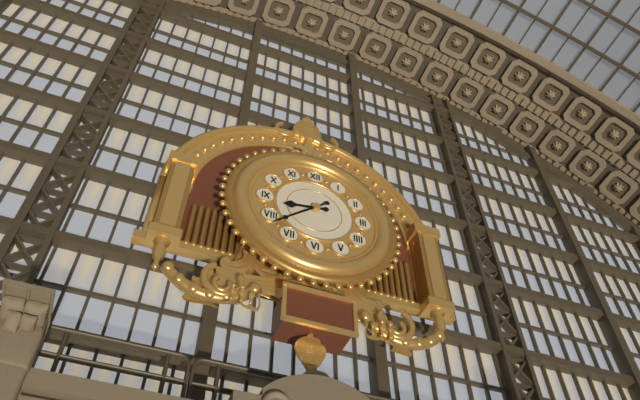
8:38
